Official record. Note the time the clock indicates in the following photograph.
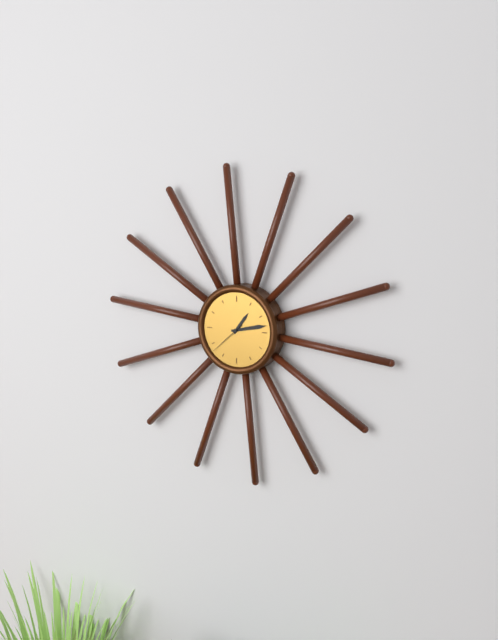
1:13
